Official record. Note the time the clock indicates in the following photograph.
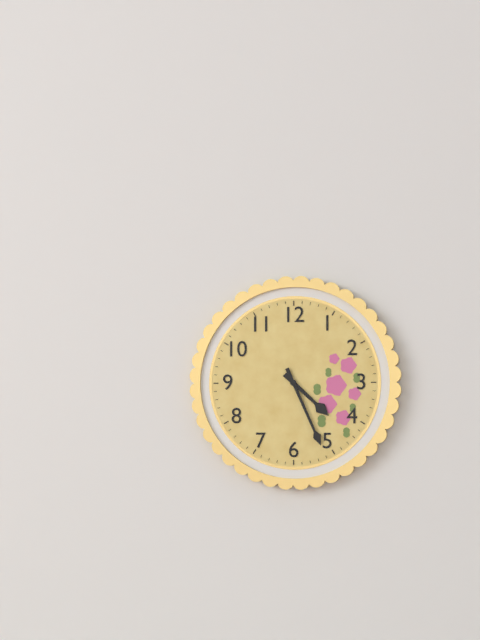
4:26
